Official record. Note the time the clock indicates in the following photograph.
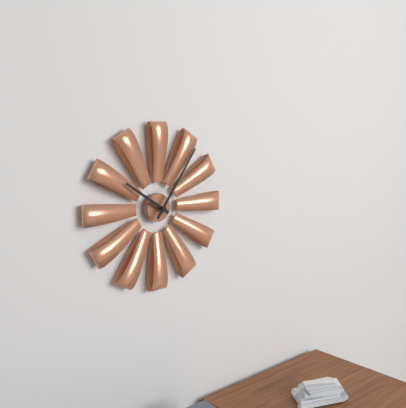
10:06
